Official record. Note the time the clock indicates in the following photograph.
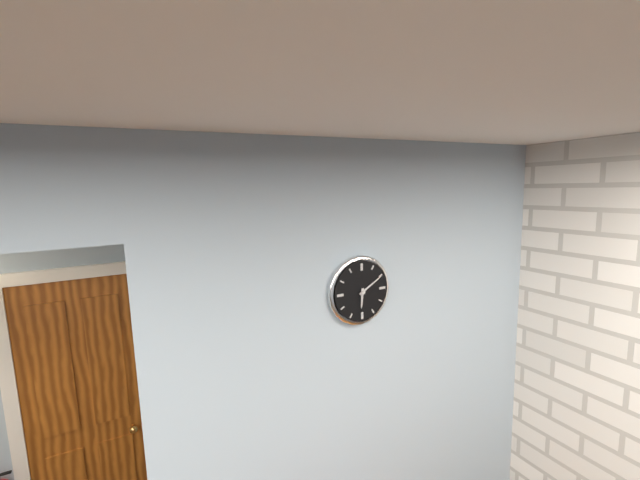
6:10
